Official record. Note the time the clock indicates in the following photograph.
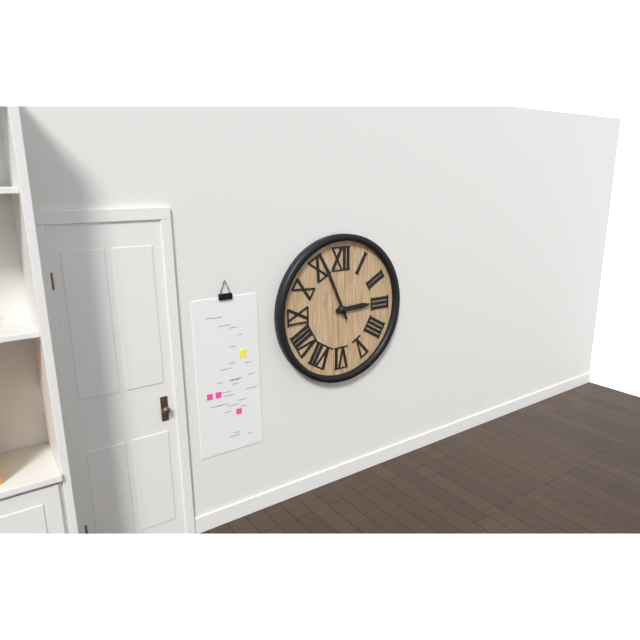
2:56
